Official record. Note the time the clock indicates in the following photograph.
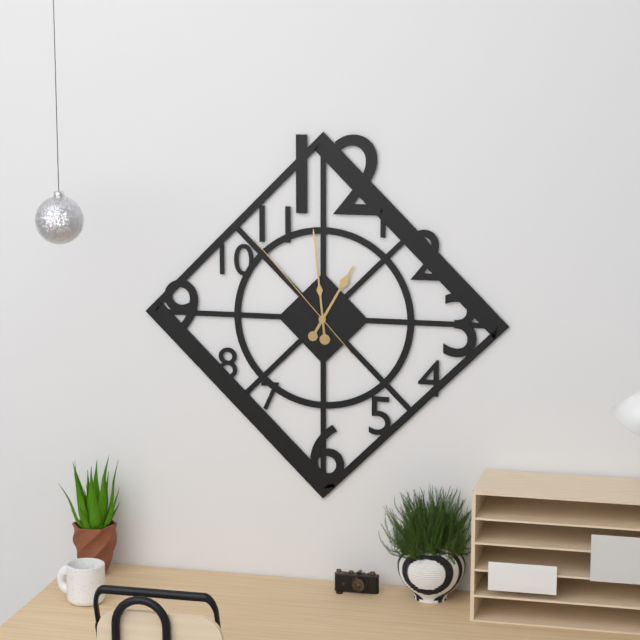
12:59:53
